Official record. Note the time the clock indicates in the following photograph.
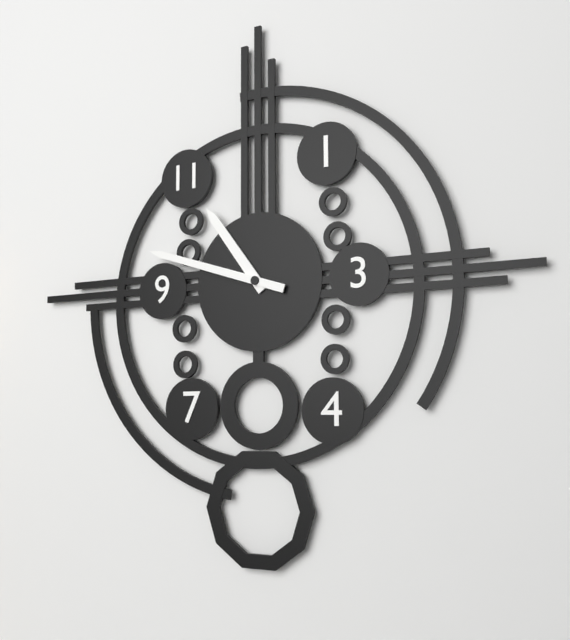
10:48
